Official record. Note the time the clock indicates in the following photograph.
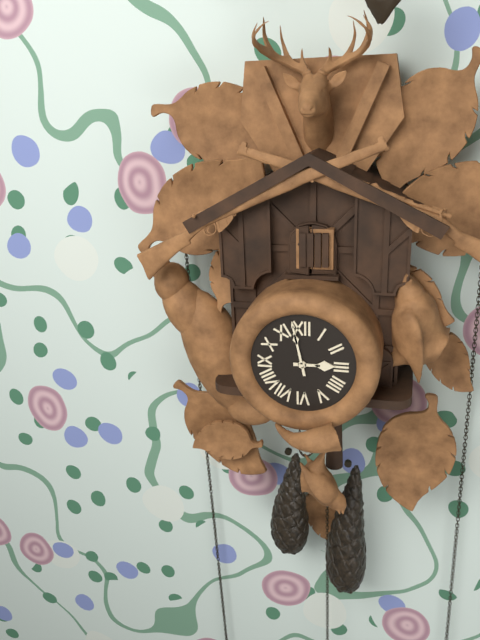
2:58
